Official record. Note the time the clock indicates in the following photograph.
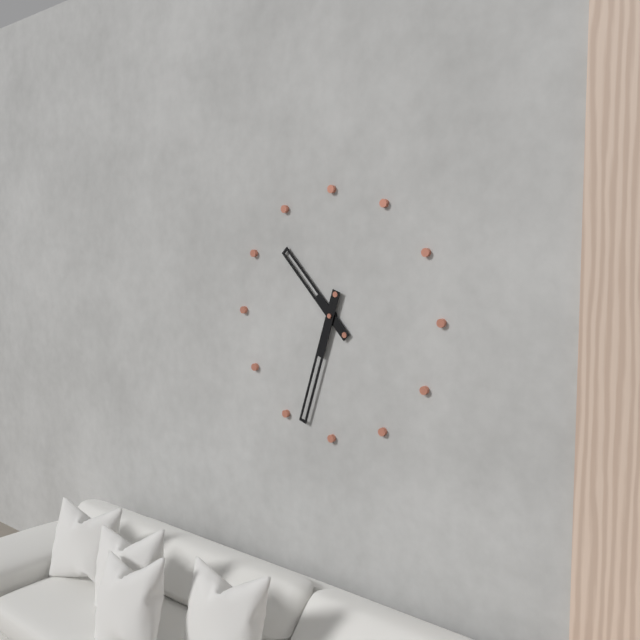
10:33
